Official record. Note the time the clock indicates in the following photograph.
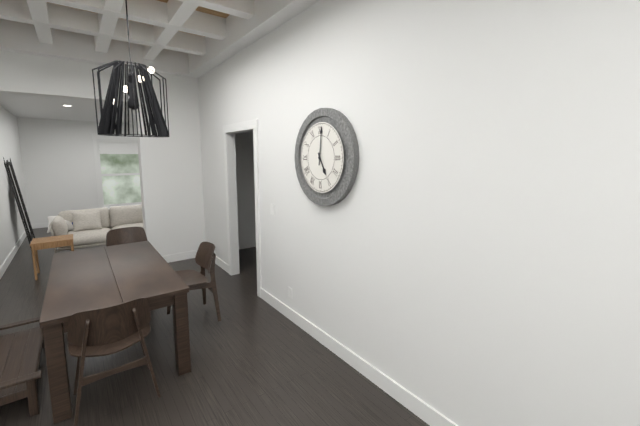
5:01
